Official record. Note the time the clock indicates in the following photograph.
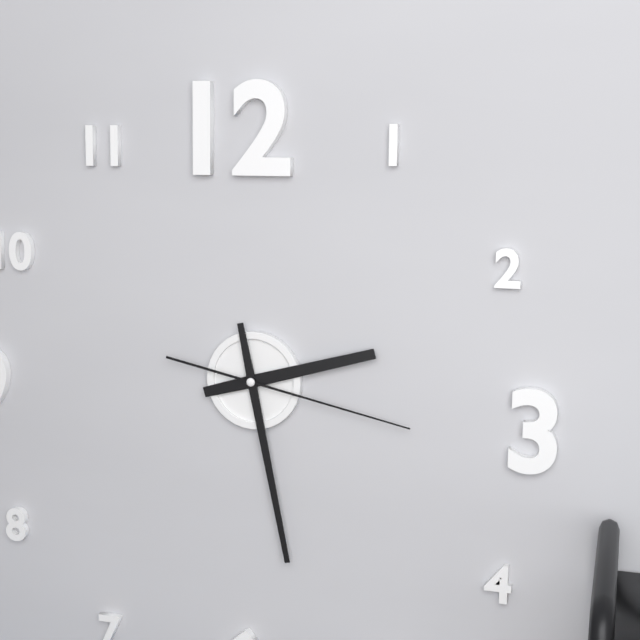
2:28:17
